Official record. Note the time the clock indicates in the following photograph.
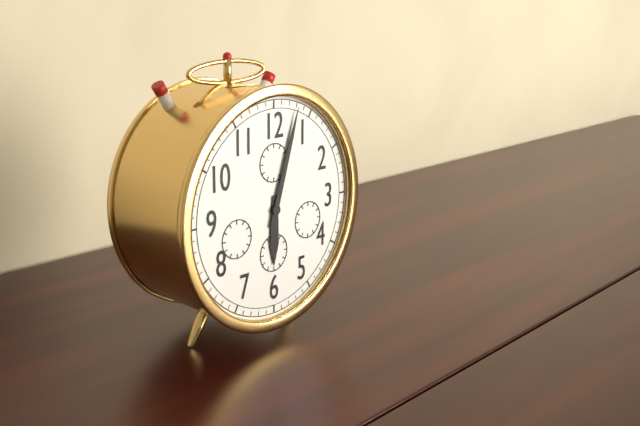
6:03
